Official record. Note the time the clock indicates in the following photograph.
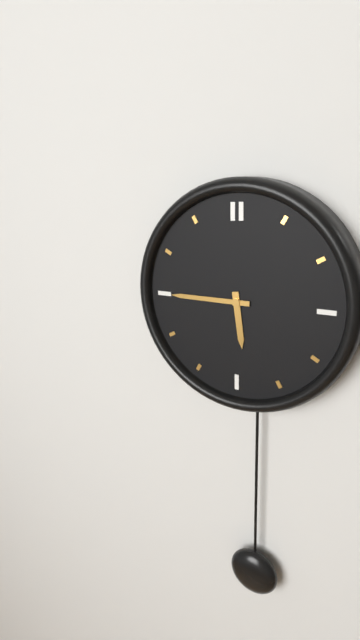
5:45
